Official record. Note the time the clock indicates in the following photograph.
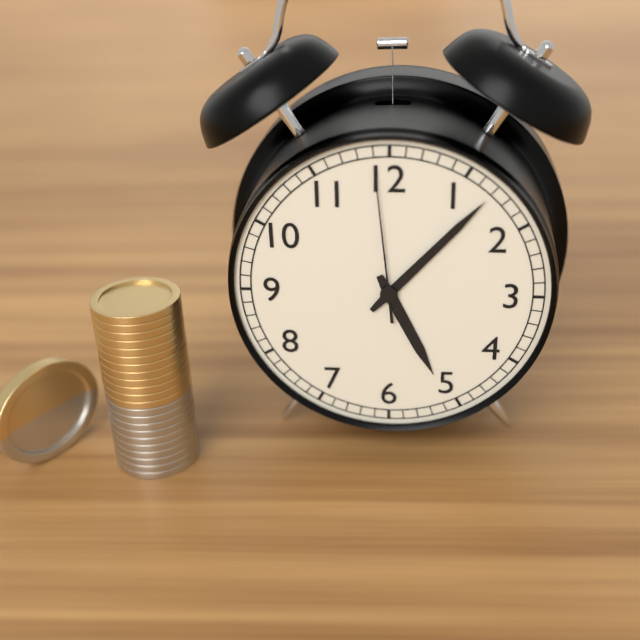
5:07:59
